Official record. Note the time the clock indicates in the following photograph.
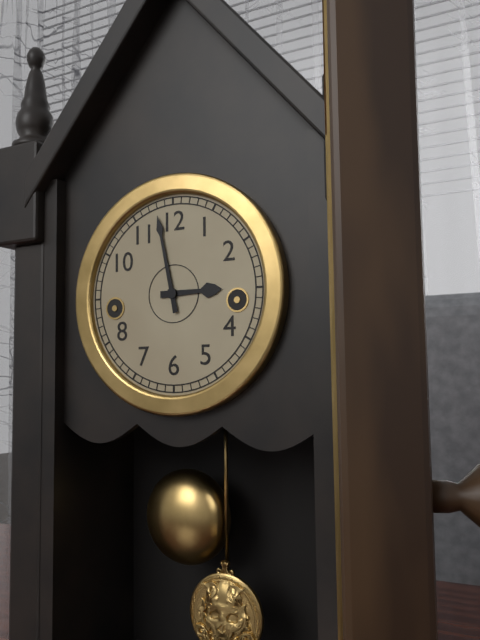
2:58
